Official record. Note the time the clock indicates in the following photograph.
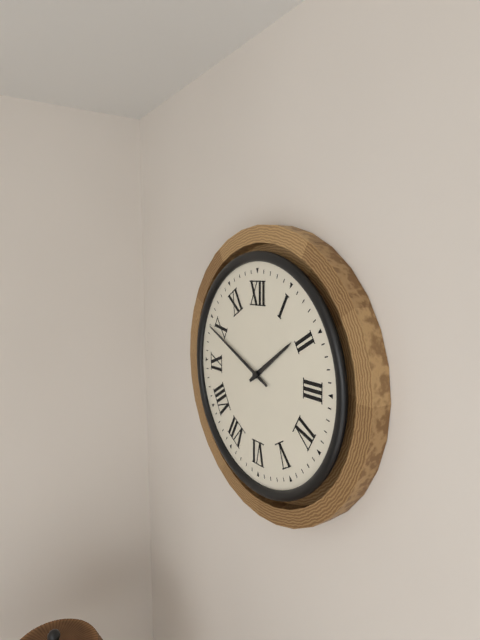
1:49
